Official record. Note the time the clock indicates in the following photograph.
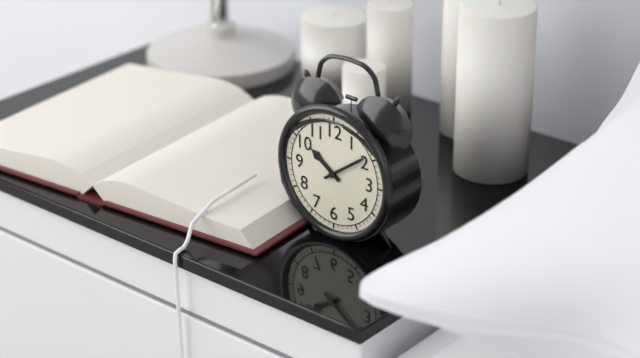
10:09
